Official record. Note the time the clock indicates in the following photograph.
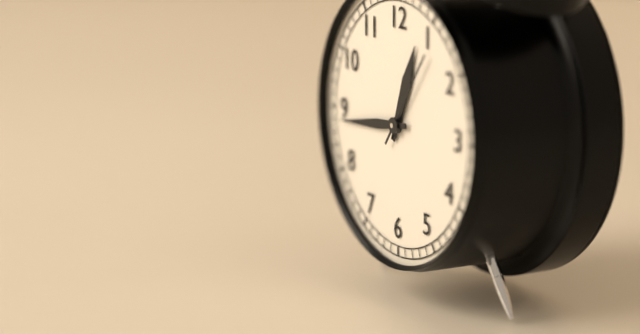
12:44:06
